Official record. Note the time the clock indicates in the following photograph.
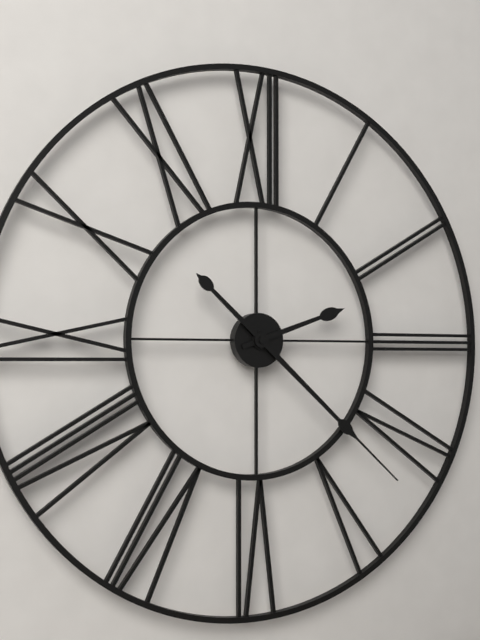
2:22
